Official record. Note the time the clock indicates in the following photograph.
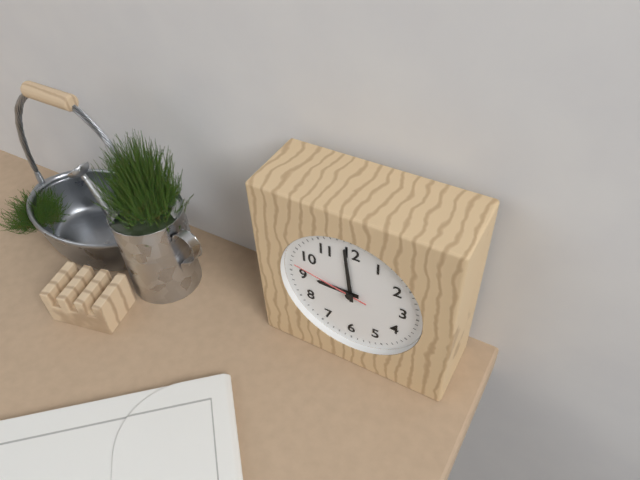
8:59:47
